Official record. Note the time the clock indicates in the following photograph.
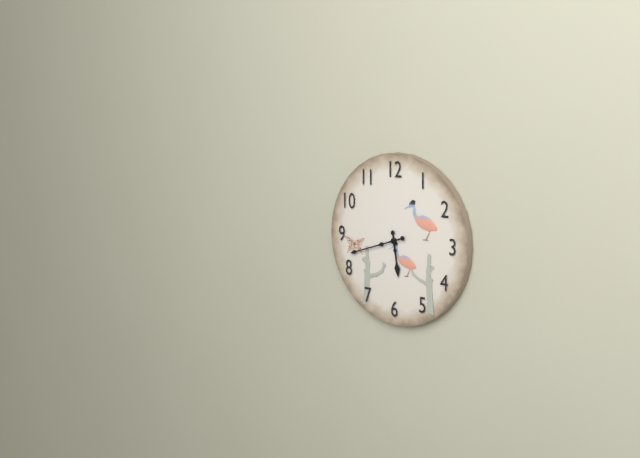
5:42
